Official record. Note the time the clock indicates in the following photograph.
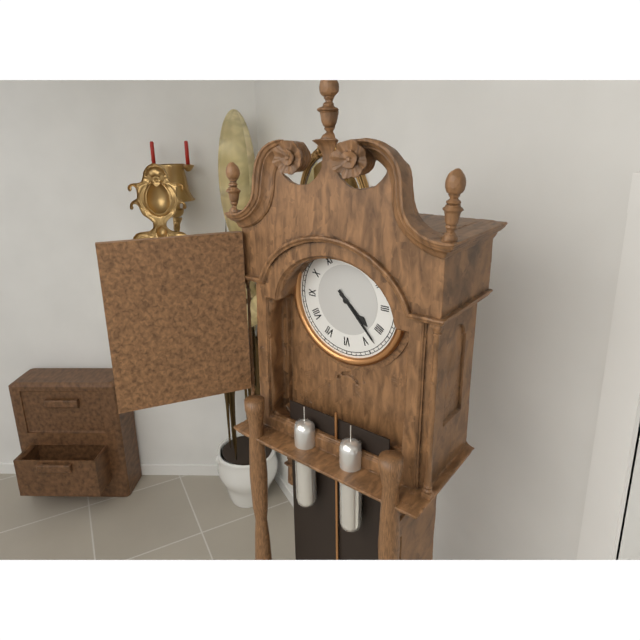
4:23
